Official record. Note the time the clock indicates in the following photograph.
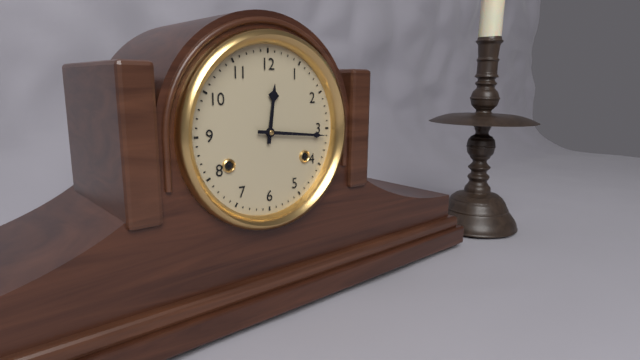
12:16
